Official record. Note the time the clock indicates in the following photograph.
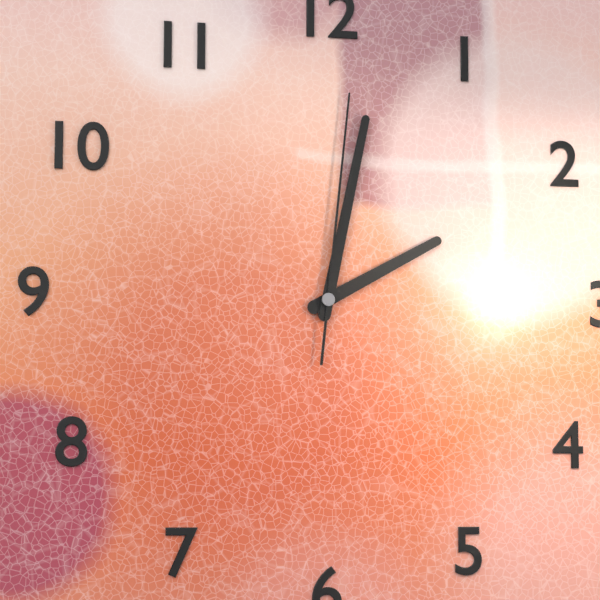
2:02:01
